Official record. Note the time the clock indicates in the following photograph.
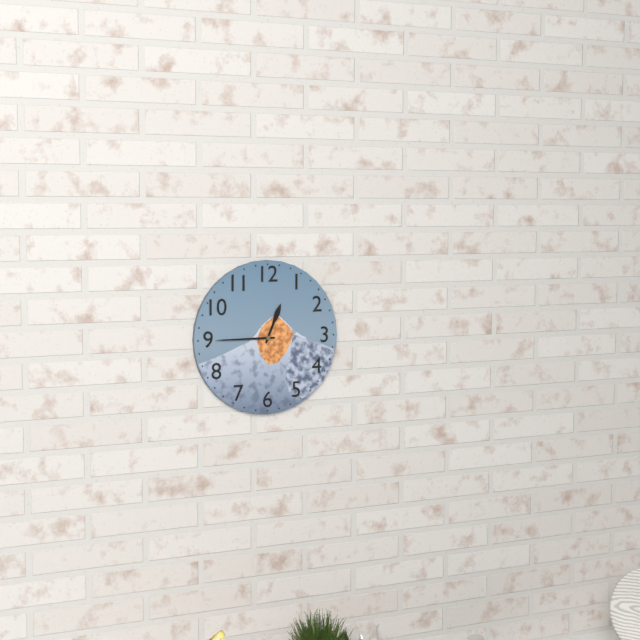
12:45
